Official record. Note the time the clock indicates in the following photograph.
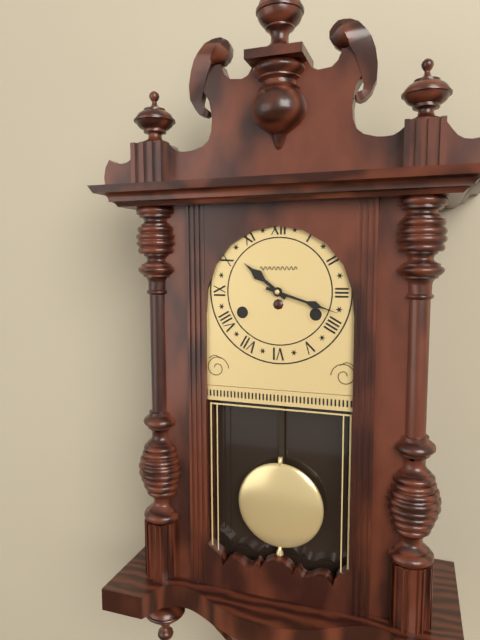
10:18
